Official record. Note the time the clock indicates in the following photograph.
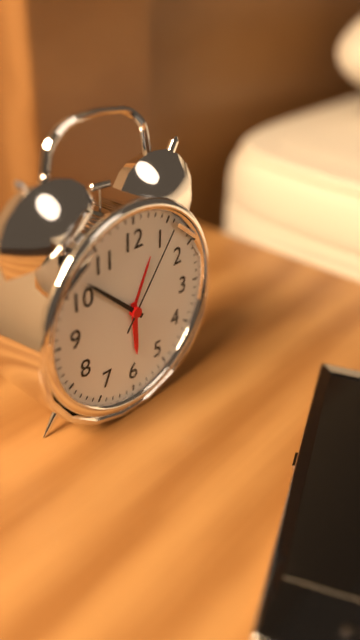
5:52:06
